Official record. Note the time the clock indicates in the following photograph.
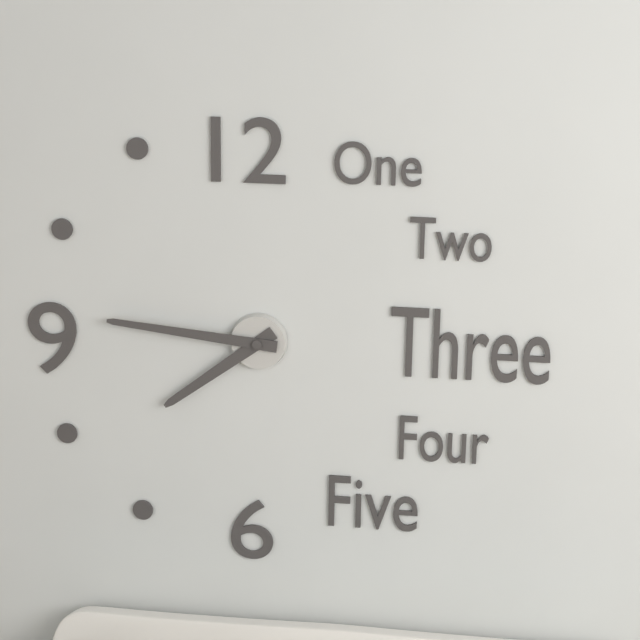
7:46
